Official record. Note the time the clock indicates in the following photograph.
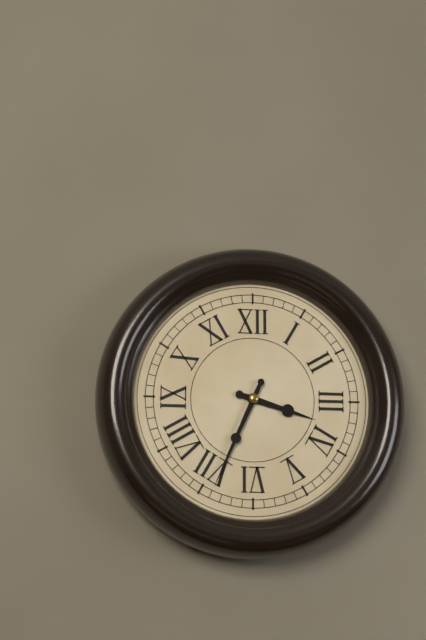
3:34
